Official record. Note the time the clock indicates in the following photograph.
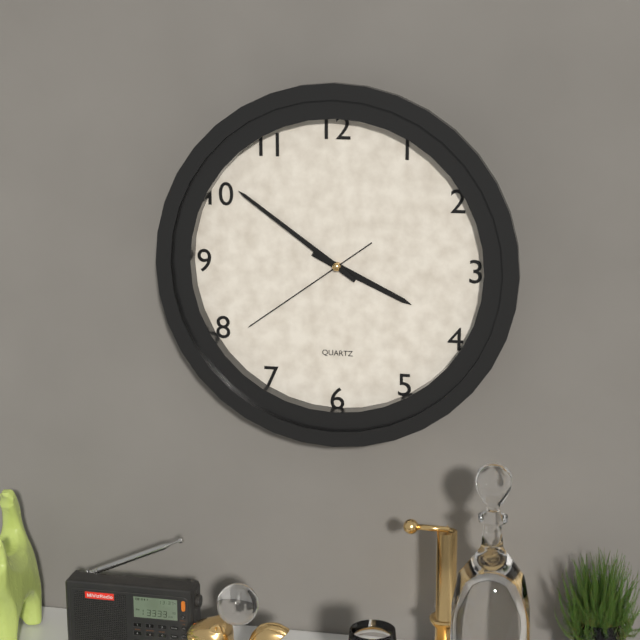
3:51:39
